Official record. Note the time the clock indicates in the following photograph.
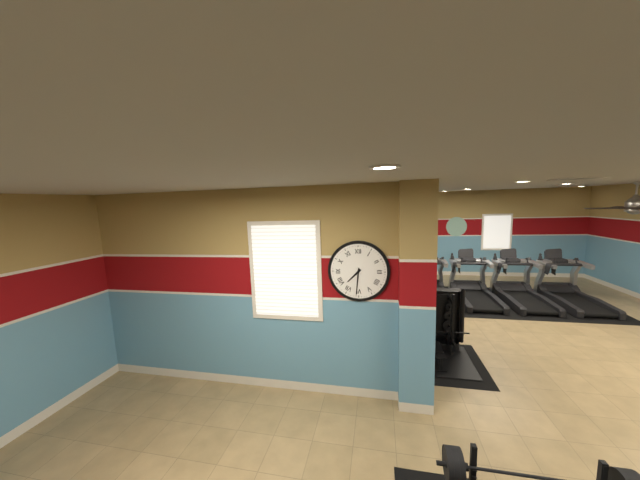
7:31
